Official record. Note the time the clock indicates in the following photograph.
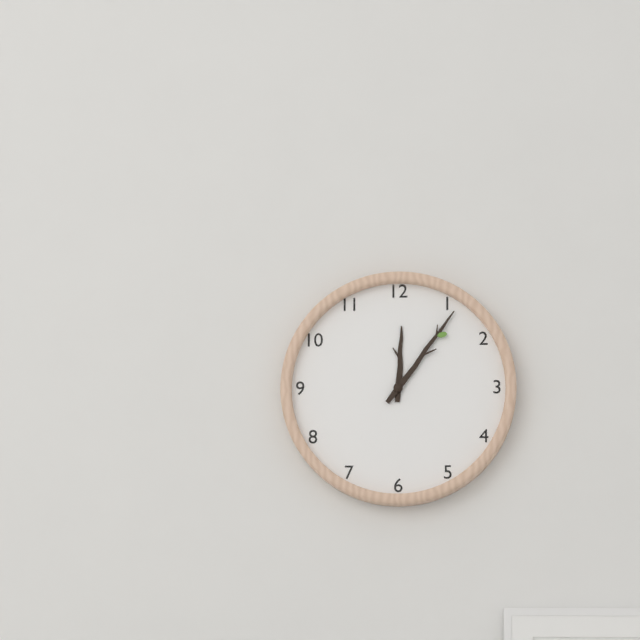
12:06
